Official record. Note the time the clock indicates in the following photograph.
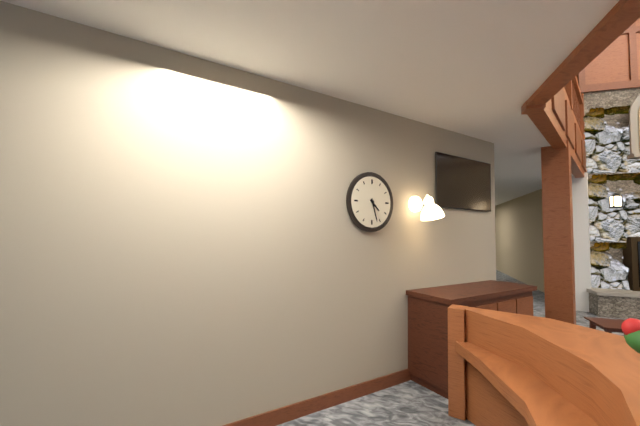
4:27
